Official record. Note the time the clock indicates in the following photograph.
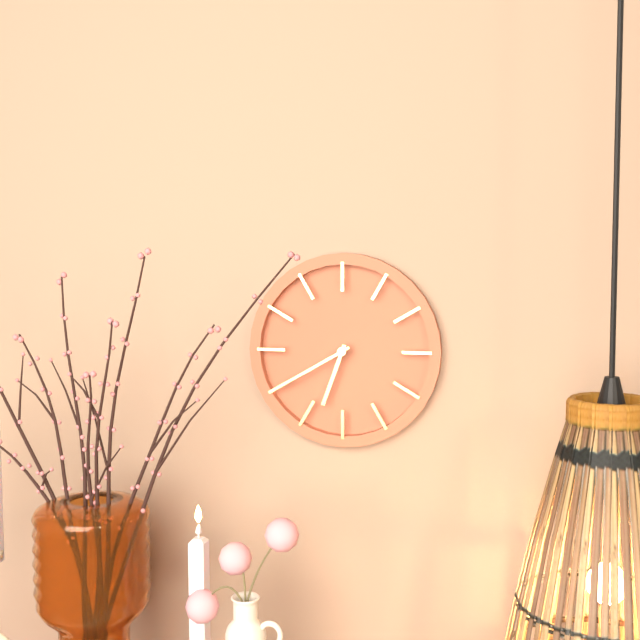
6:40
